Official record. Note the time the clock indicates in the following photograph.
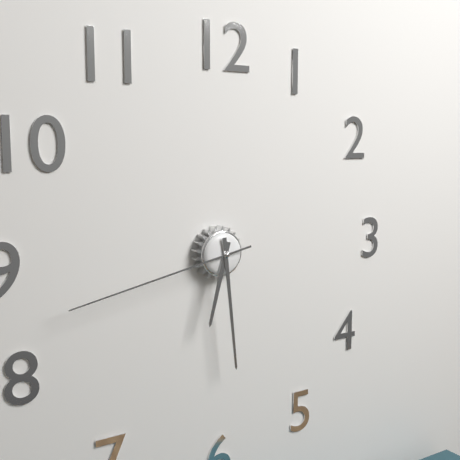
6:29:43
